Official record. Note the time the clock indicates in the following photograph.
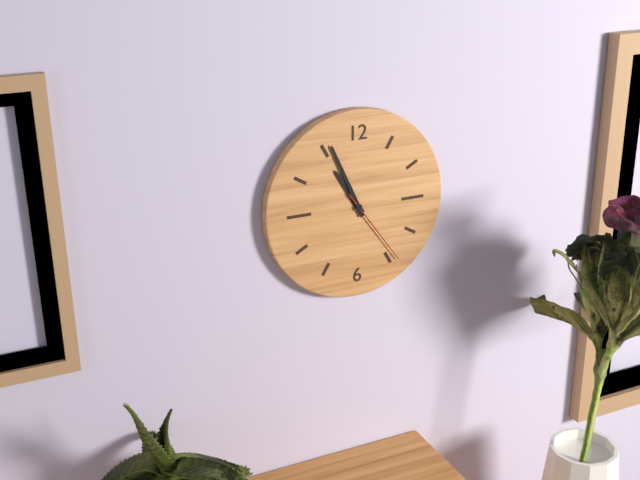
10:56:24
